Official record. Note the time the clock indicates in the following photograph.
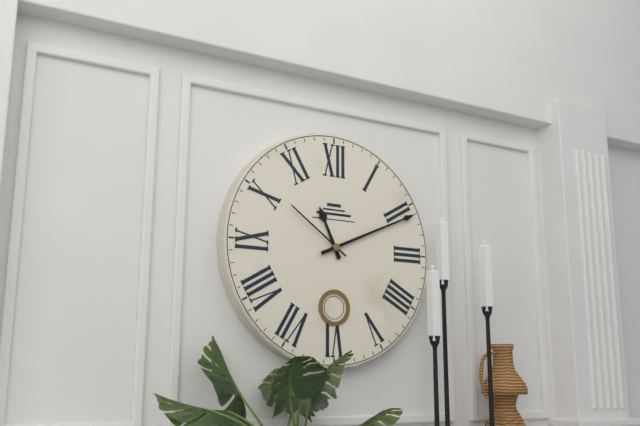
11:11:51
